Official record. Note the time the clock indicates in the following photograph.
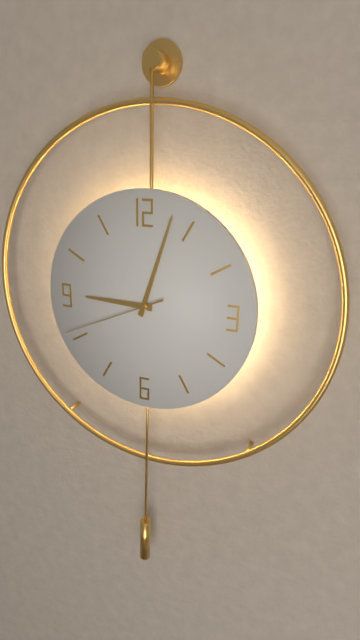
9:03:41
